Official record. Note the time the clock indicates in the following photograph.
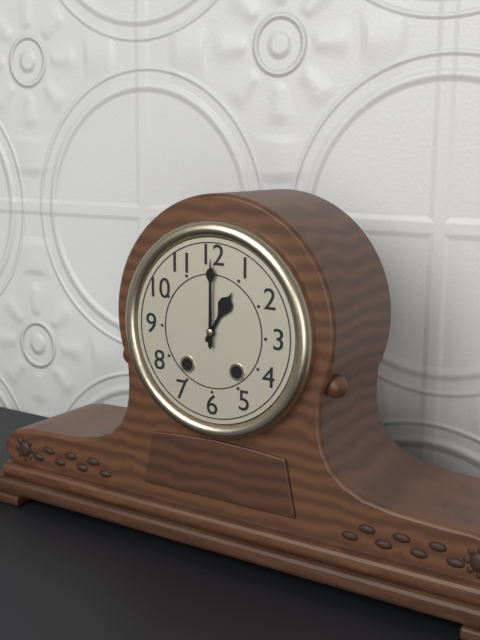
1:00
